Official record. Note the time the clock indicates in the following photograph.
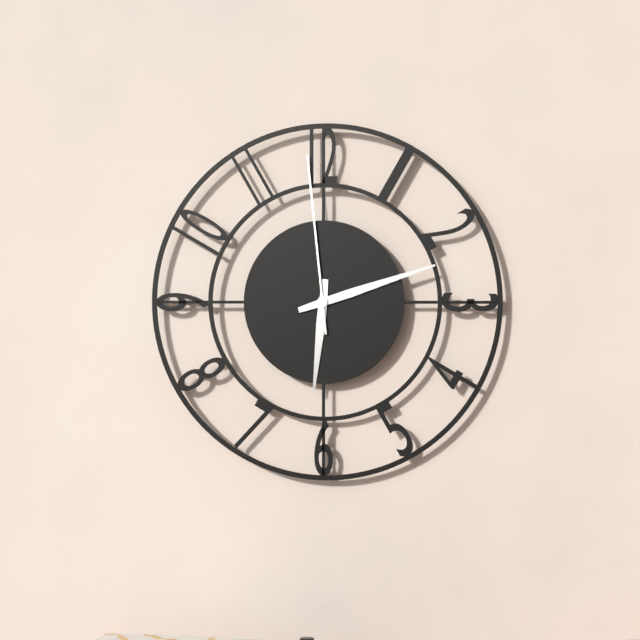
6:12:59
